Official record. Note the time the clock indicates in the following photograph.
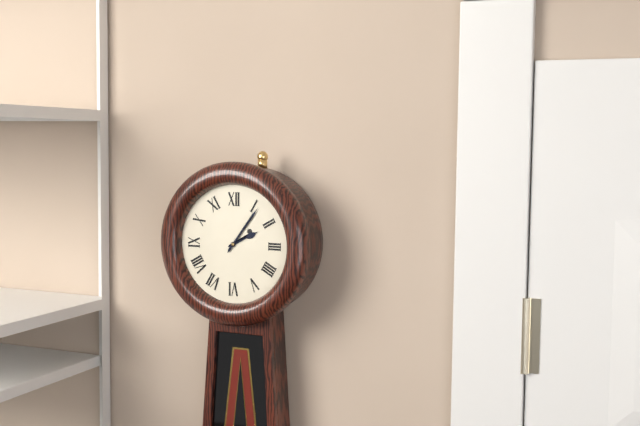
2:06
